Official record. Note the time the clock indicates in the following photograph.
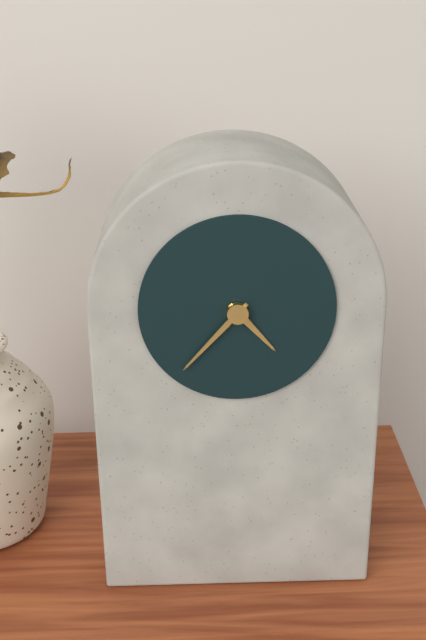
4:37
